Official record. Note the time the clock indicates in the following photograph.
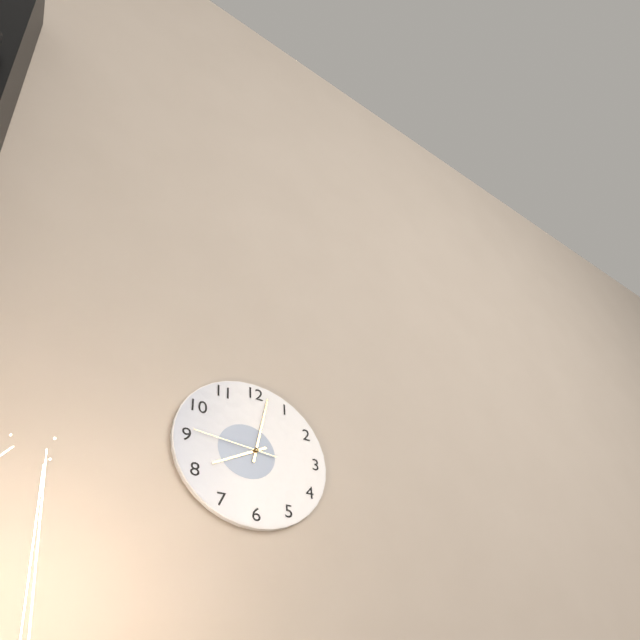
8:02:46
